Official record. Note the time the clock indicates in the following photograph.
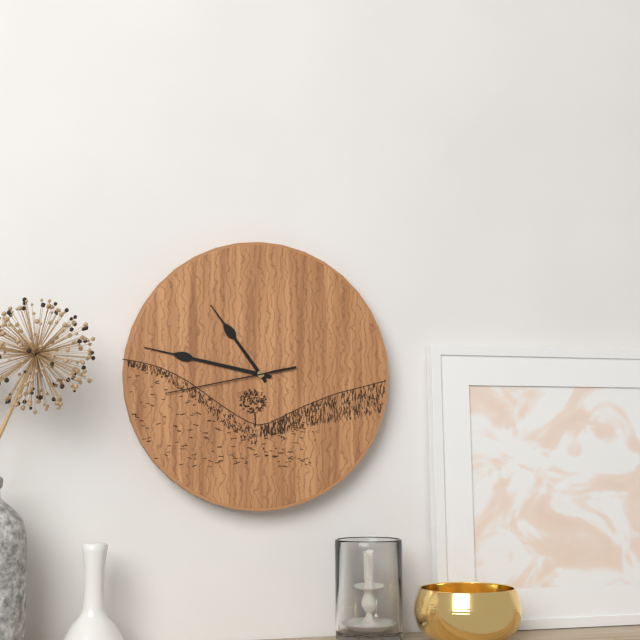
10:47:43
